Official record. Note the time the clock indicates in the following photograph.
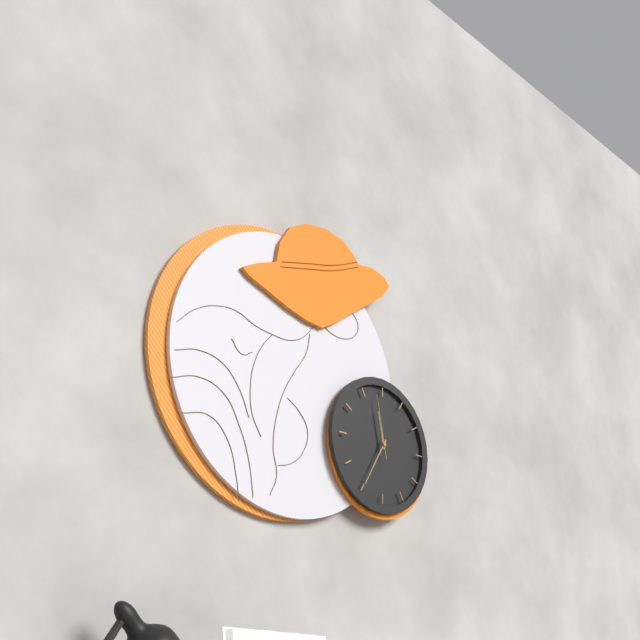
11:35:58
